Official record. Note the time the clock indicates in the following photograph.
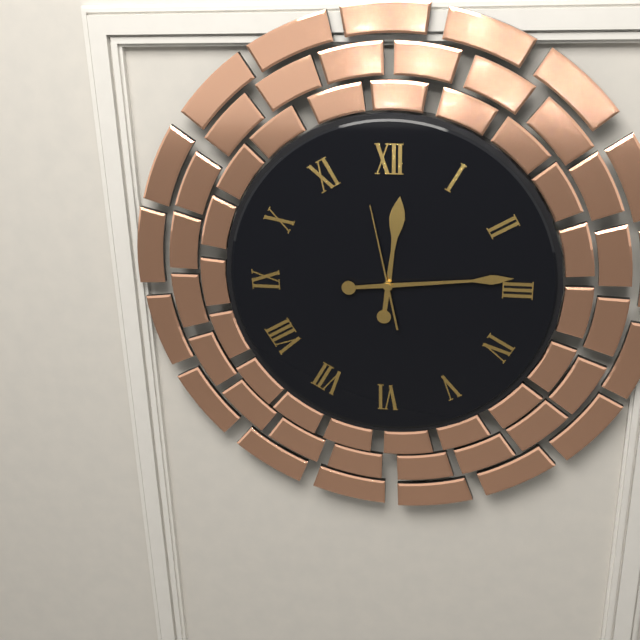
12:14:58
